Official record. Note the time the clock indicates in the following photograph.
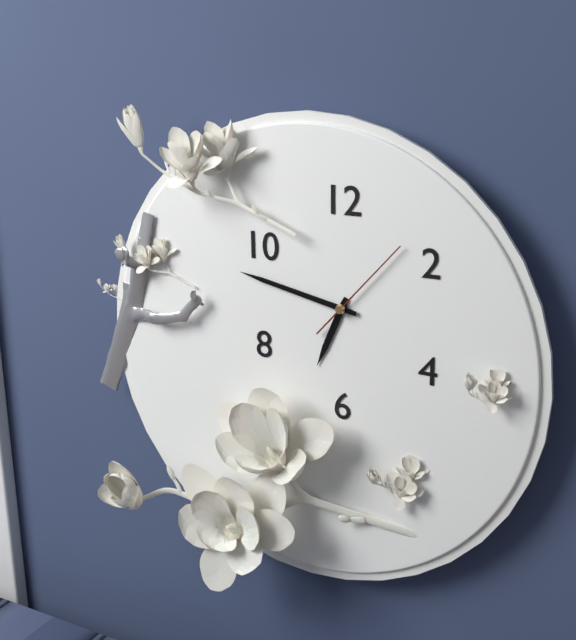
6:47:07
